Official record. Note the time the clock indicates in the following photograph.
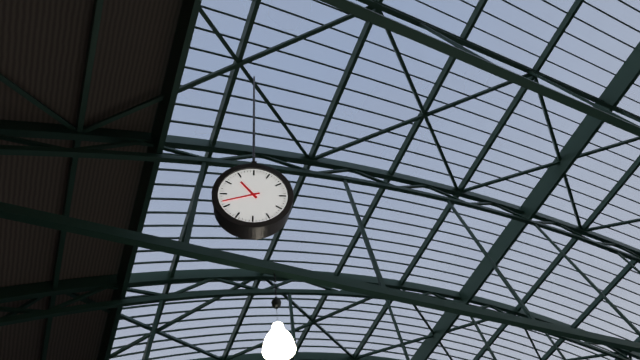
10:42
